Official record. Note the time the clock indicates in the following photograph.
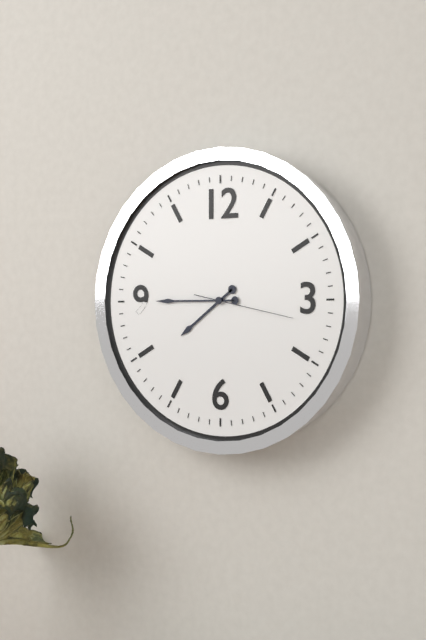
7:45:17
